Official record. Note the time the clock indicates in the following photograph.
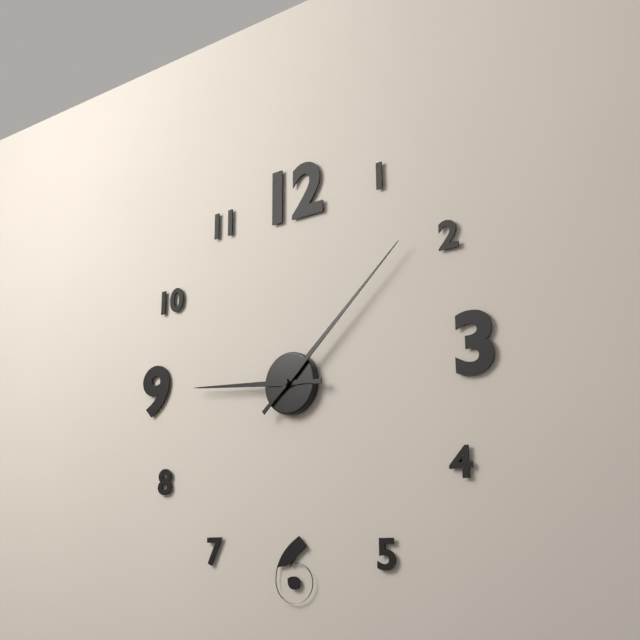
9:08
